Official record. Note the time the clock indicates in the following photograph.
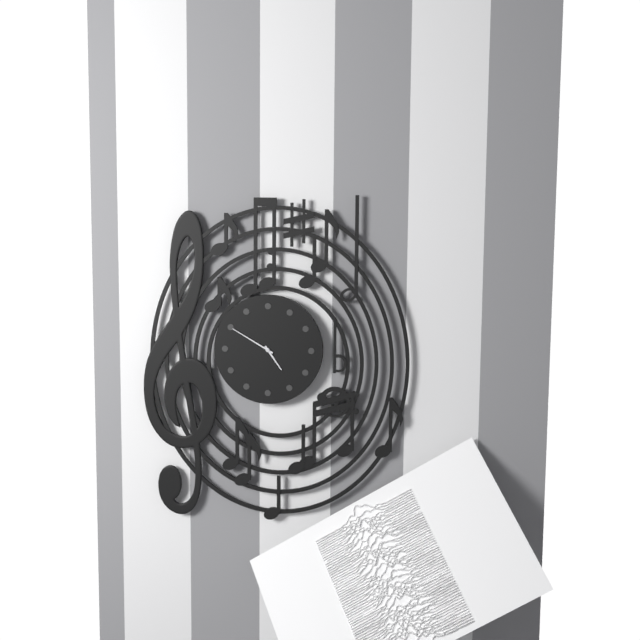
4:50
